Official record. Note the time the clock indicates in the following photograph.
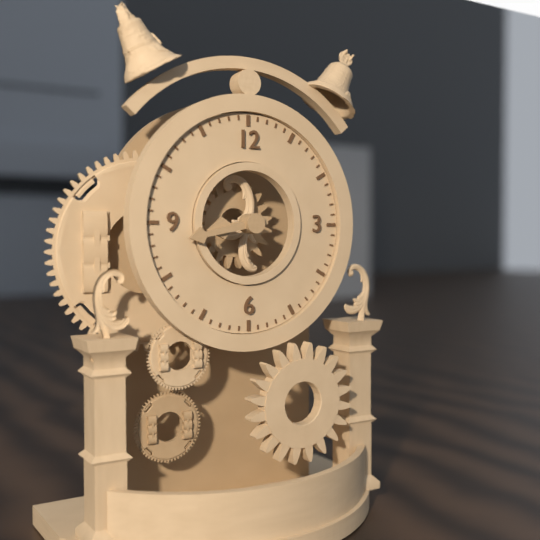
8:43
